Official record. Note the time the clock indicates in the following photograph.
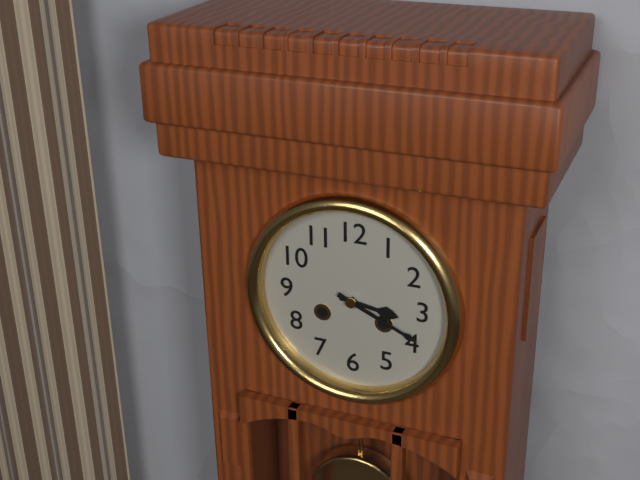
3:19
